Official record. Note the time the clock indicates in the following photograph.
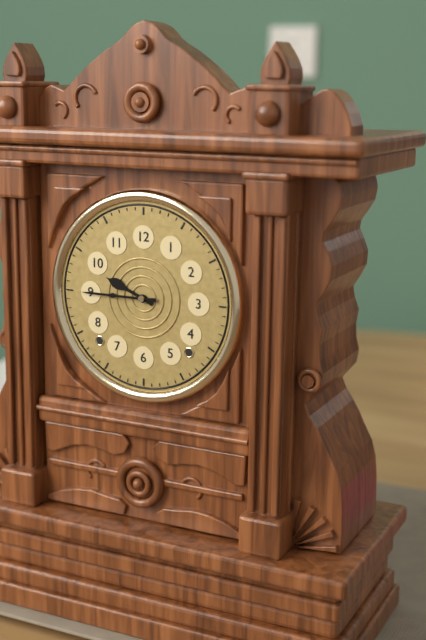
9:45
